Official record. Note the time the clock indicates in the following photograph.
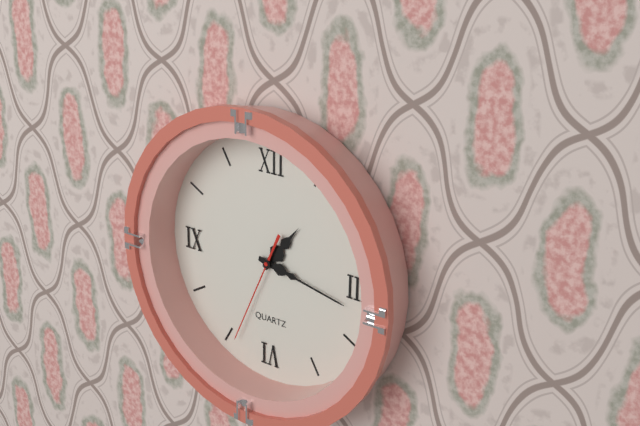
1:17:34
